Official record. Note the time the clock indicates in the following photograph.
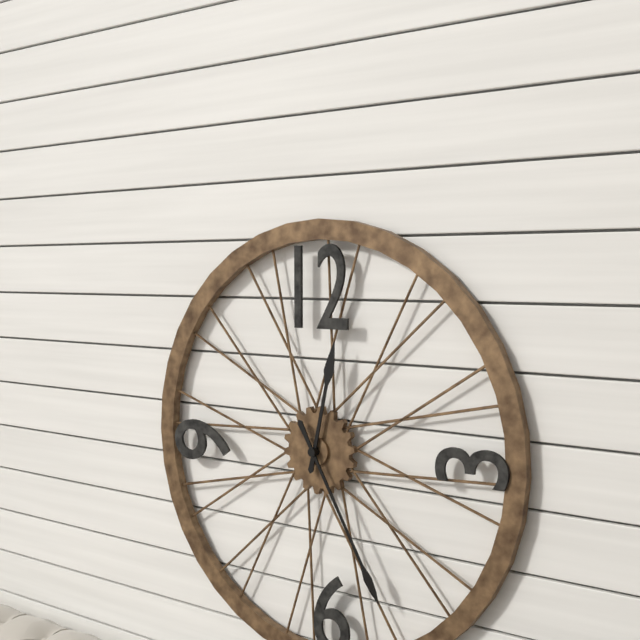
12:25
